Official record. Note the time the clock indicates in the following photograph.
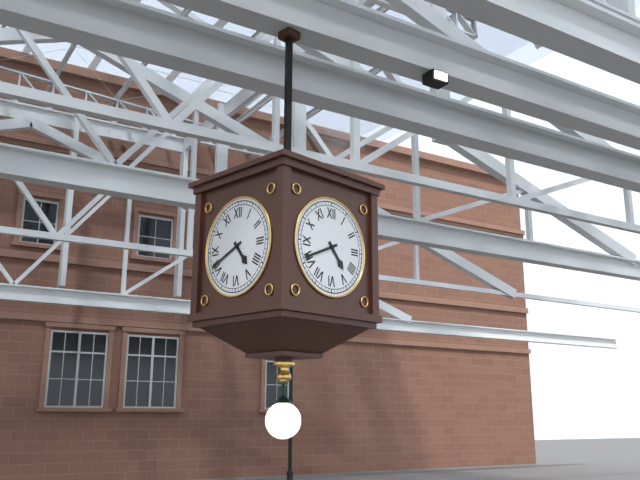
4:41
